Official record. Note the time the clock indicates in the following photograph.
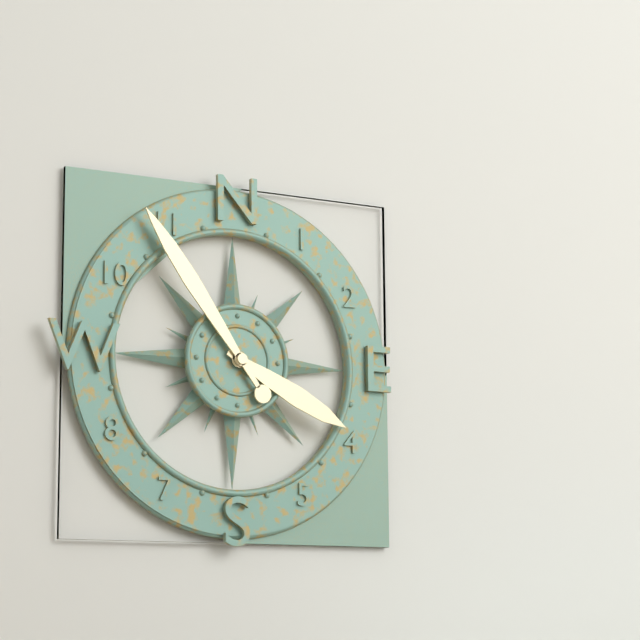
3:54
